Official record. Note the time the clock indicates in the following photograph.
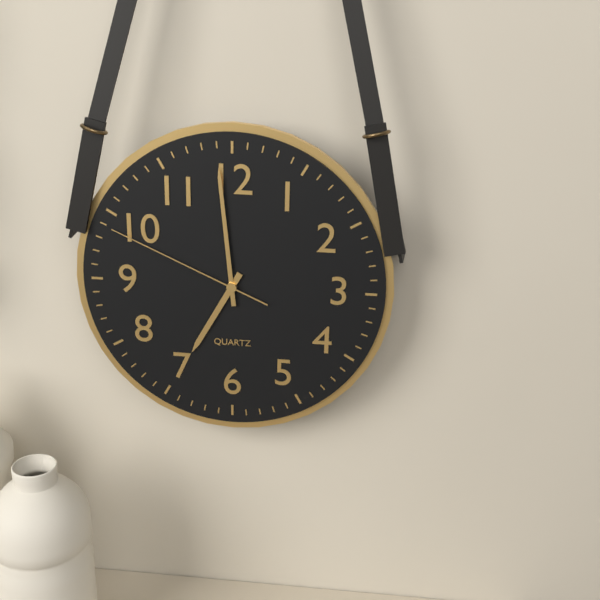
6:59:49
